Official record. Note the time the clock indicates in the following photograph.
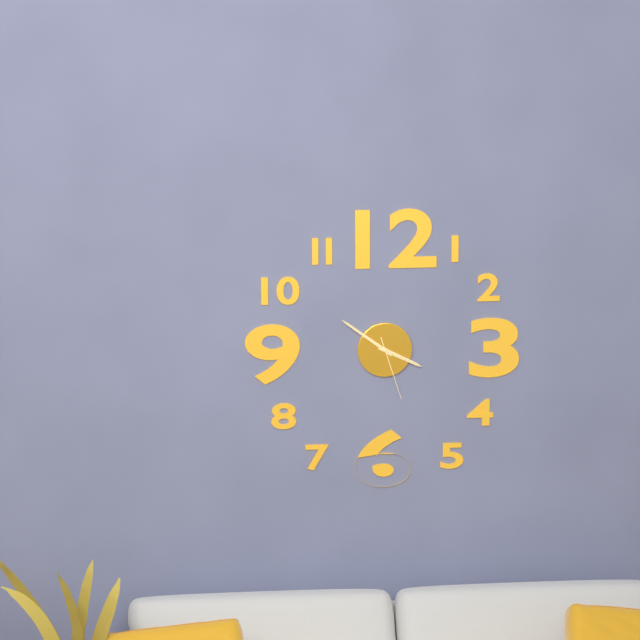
3:51:27
